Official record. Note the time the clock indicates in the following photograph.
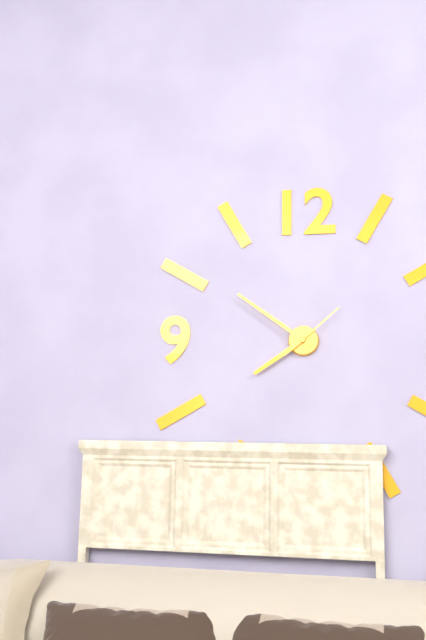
7:51:08
